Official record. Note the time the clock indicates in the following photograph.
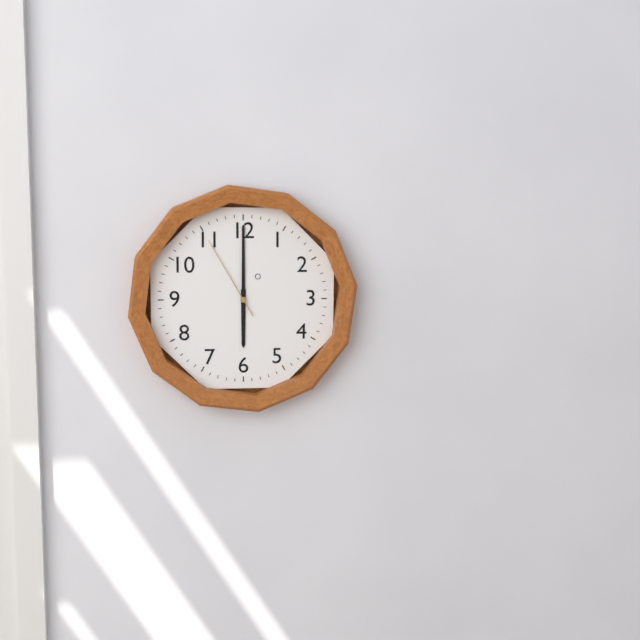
6:00:55
